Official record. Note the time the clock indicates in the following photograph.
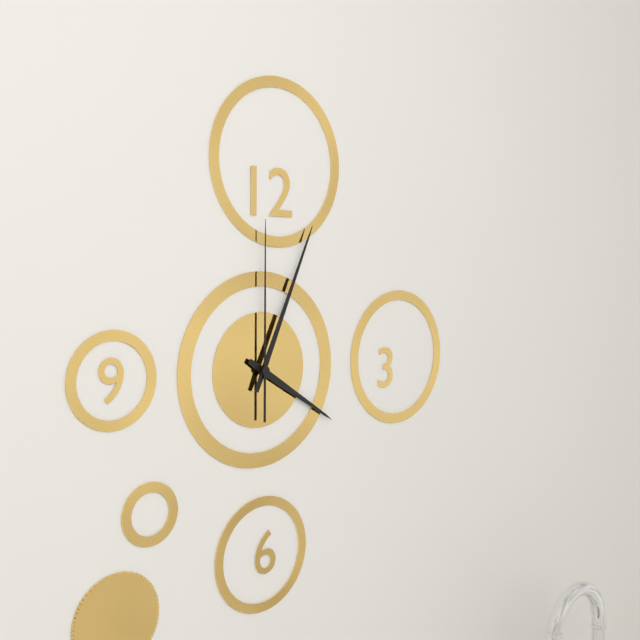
4:04:00
